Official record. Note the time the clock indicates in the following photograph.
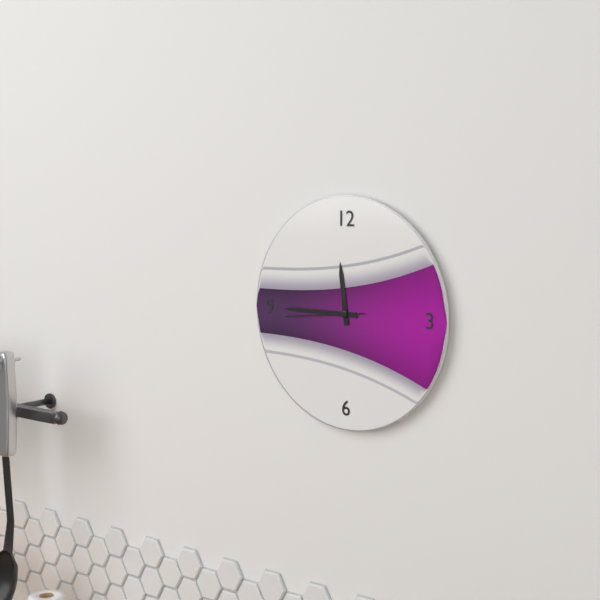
11:45:44
